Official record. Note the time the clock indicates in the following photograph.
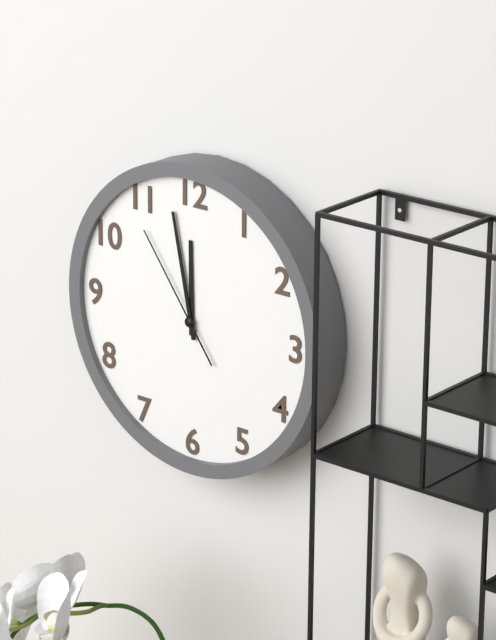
11:58:54
